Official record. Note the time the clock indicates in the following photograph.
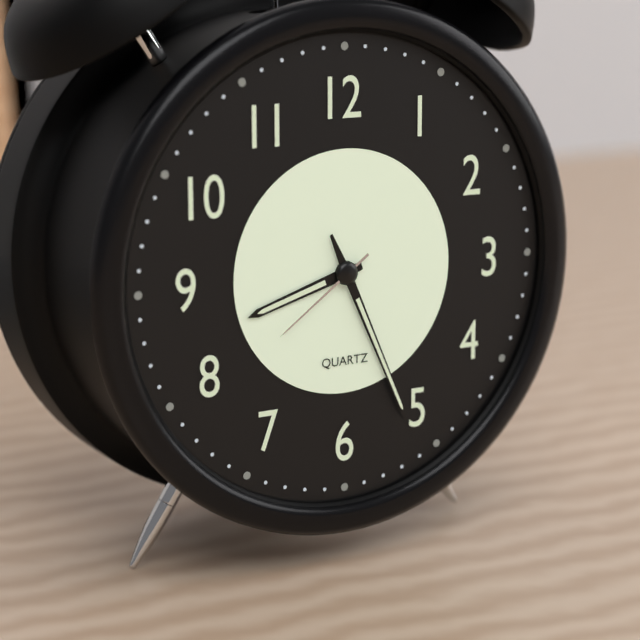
8:26:39
